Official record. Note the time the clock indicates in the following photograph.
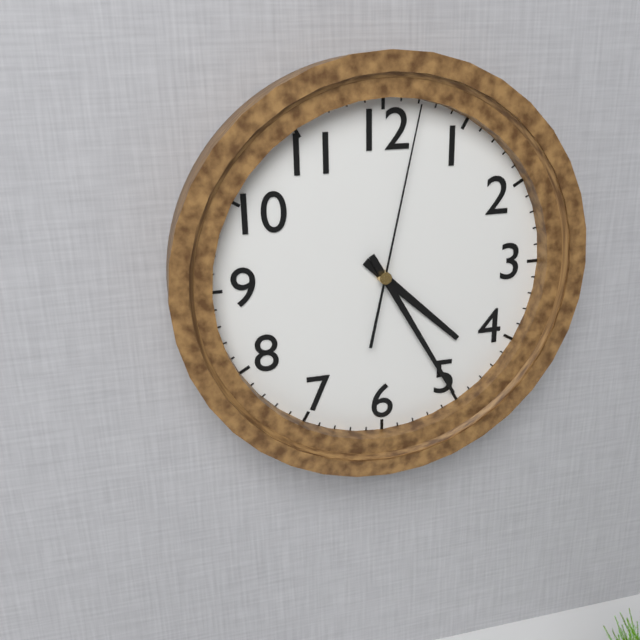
4:25:02
